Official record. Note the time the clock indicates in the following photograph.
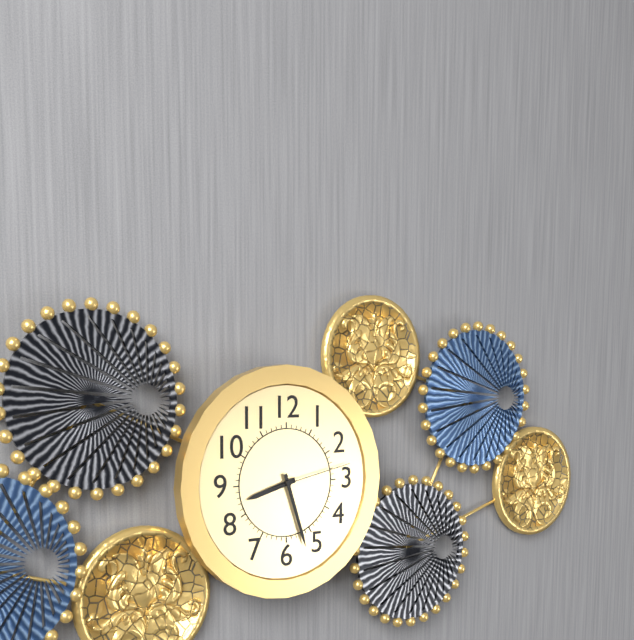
8:27:13
